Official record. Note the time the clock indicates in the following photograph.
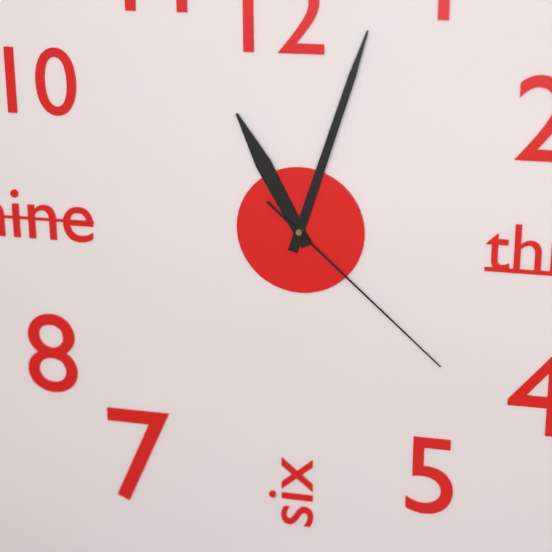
11:03:22
